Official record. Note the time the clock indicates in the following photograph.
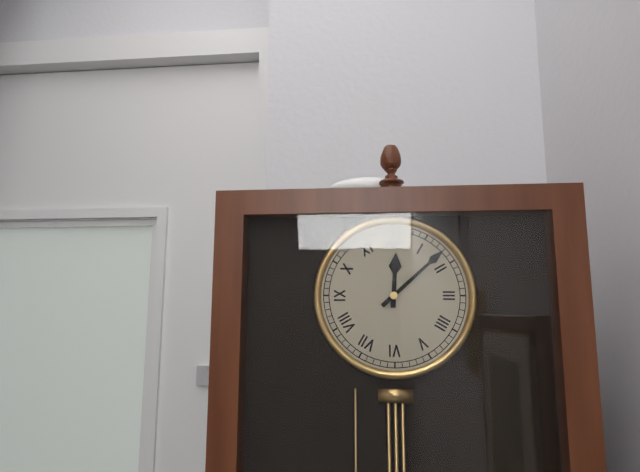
12:08
